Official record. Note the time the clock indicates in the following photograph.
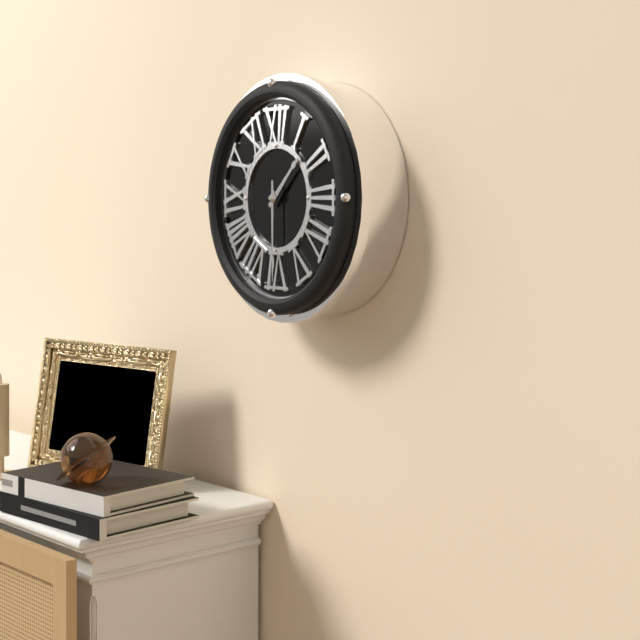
1:30
